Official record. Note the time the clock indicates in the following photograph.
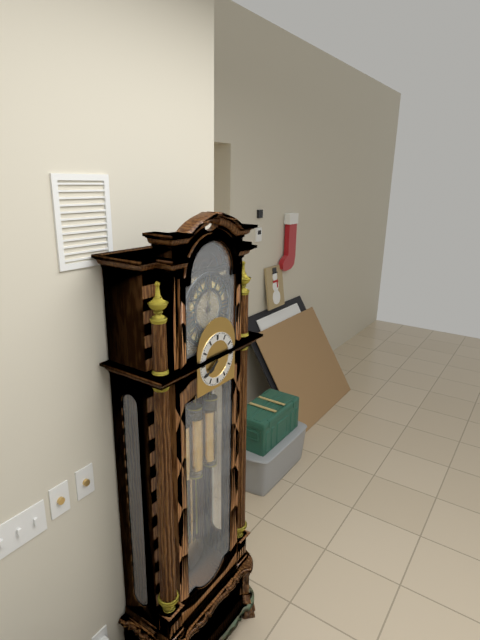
7:40
